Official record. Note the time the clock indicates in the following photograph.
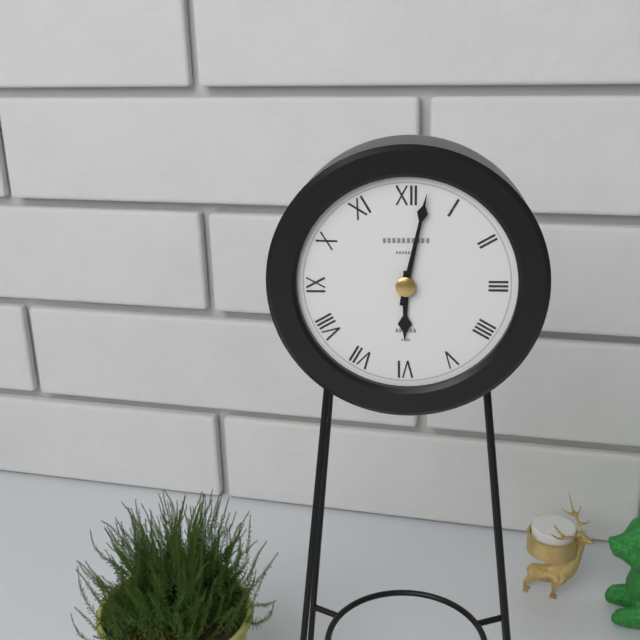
6:02
